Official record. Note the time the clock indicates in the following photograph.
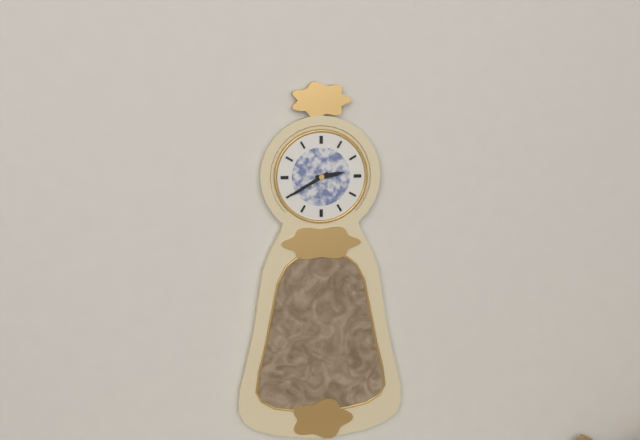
2:40
